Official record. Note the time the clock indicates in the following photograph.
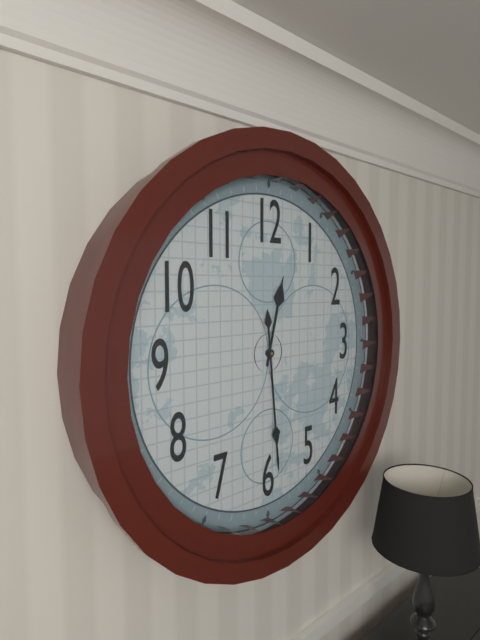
12:29
